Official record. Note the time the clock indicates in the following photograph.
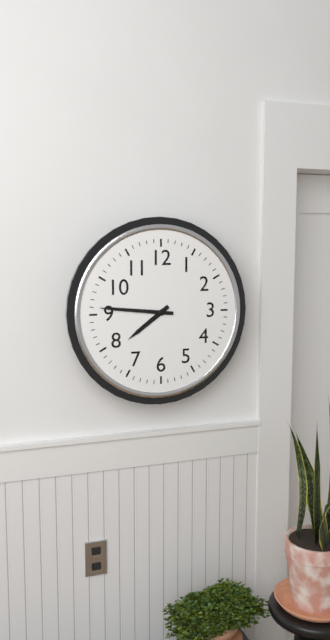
7:46
